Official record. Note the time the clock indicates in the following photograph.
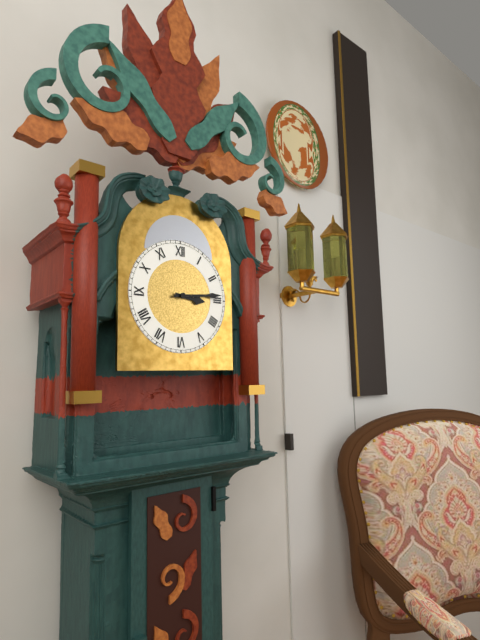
3:14
